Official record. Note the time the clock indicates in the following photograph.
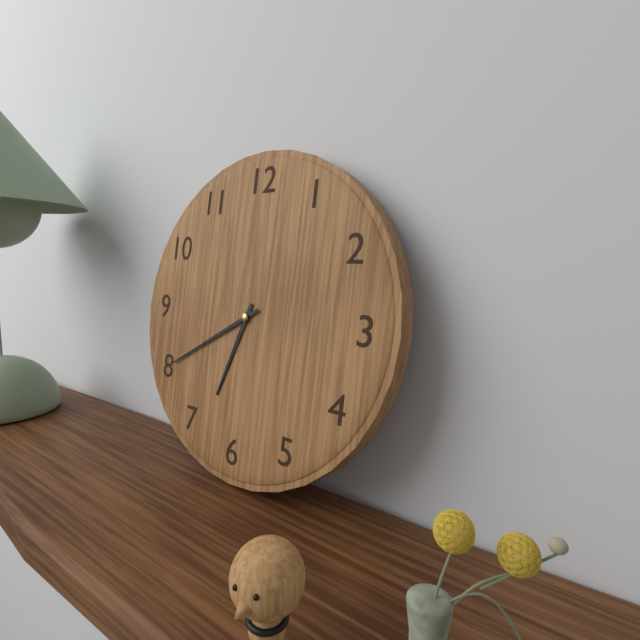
6:40
